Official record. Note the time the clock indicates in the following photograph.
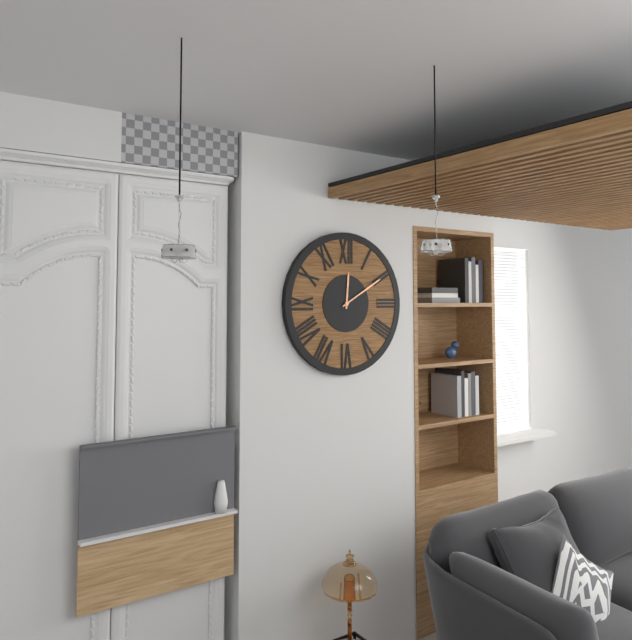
12:10
